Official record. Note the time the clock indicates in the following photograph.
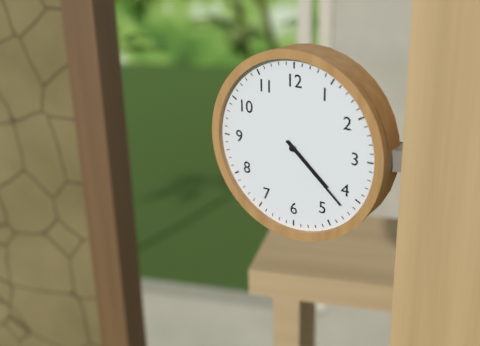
4:22
